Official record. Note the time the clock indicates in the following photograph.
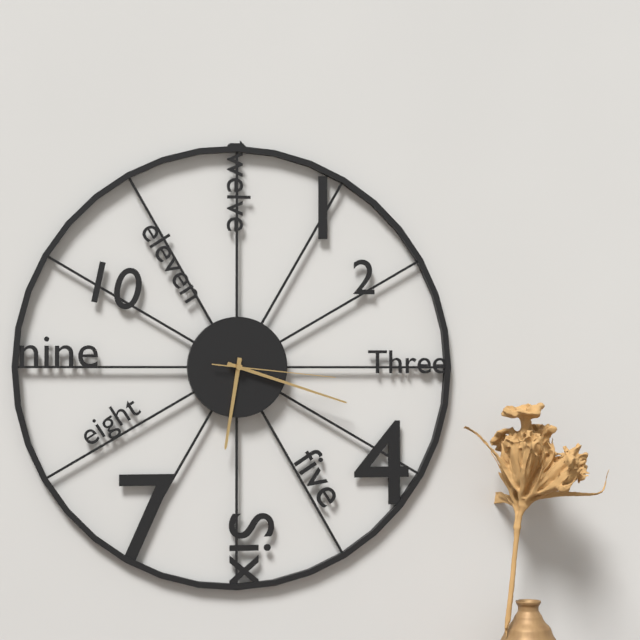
6:18:16
